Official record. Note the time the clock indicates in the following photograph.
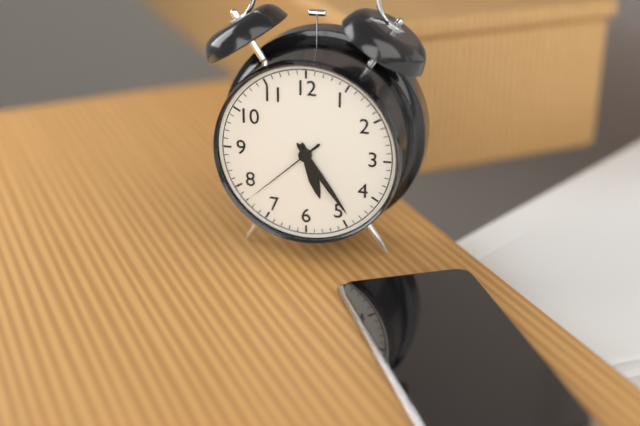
5:24:38
